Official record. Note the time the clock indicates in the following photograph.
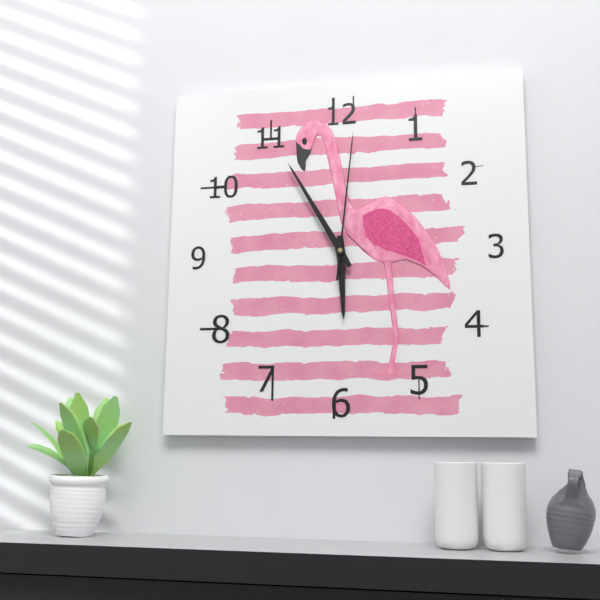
5:55:01
